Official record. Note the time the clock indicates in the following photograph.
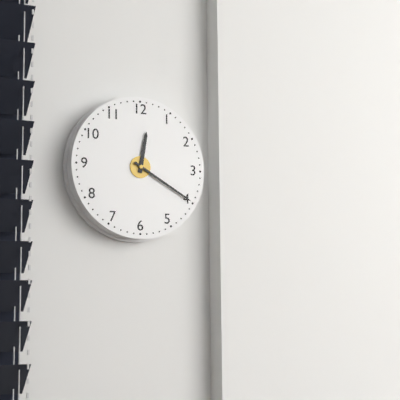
12:20
